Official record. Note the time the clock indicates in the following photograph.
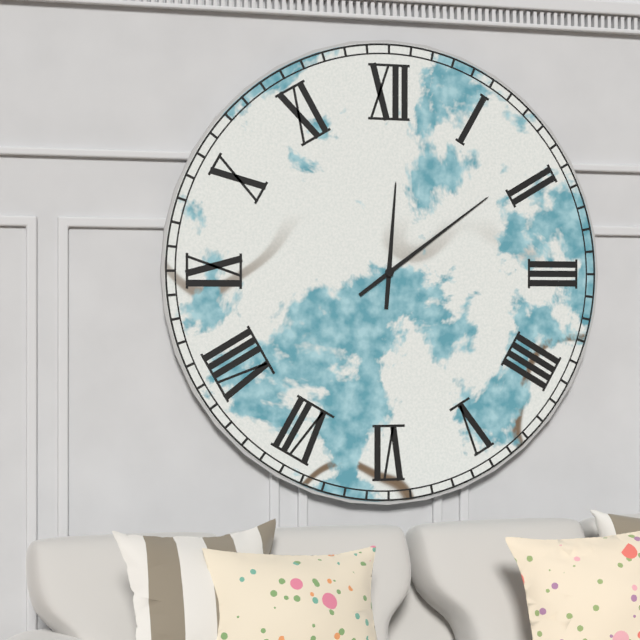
12:09
